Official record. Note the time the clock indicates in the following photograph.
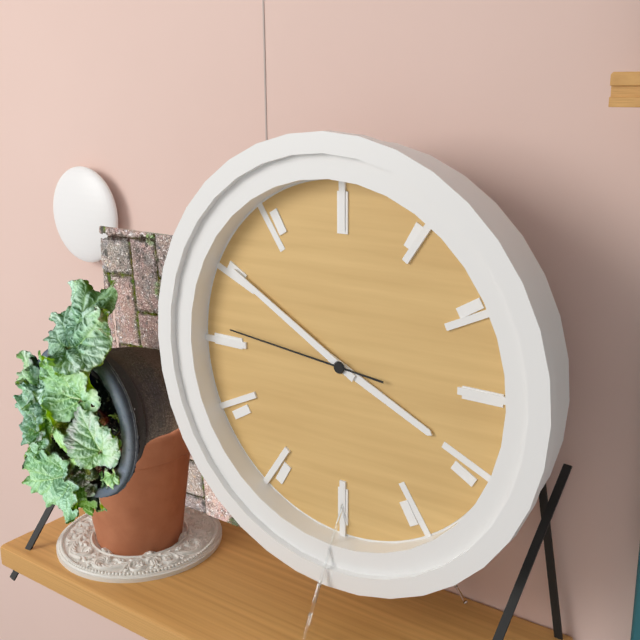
3:50:46
